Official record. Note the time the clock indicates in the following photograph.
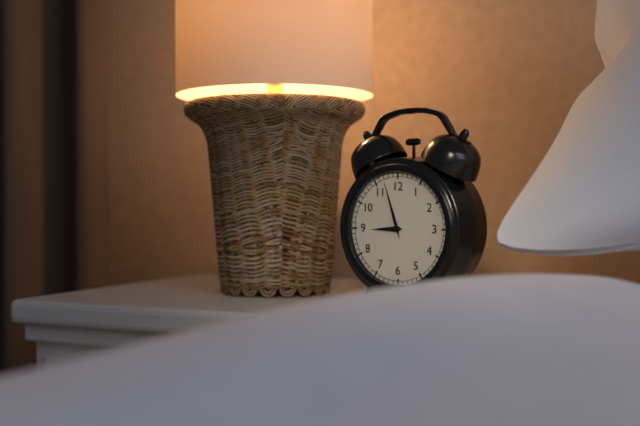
8:57
